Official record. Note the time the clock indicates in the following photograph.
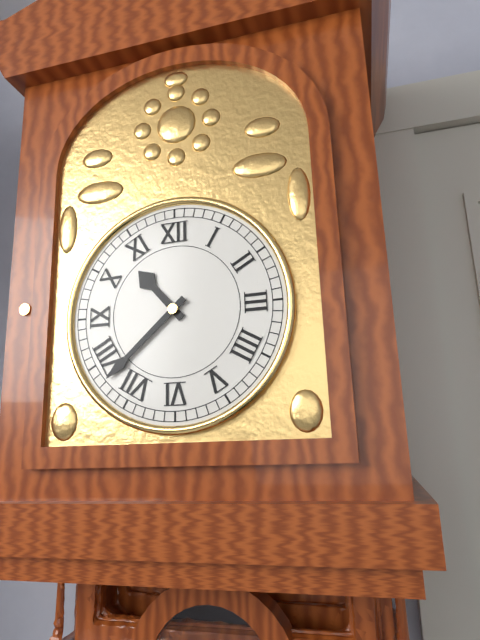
10:38
